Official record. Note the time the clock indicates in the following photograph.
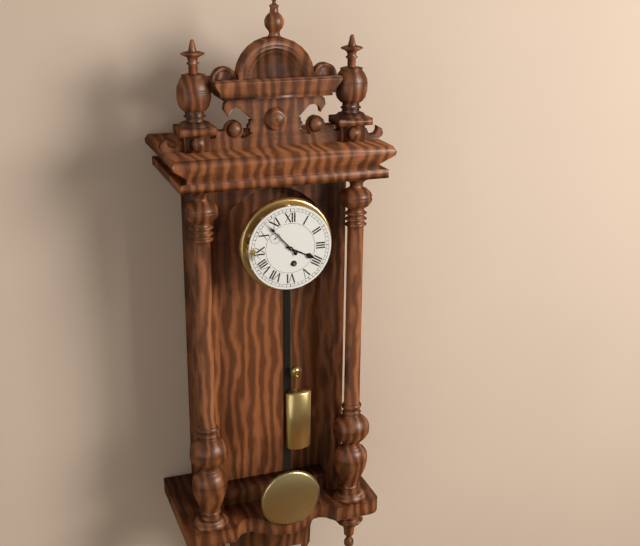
3:53
